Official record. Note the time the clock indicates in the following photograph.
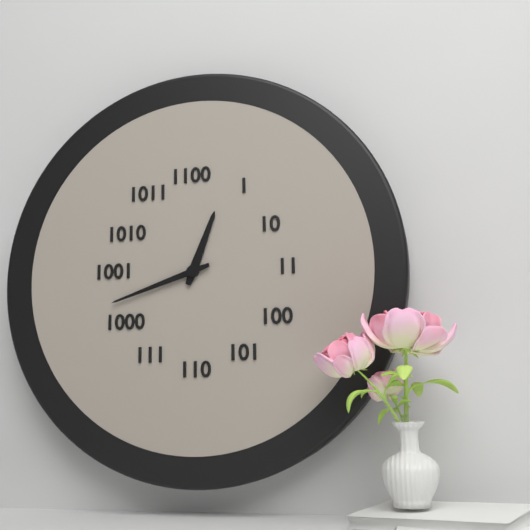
12:42
